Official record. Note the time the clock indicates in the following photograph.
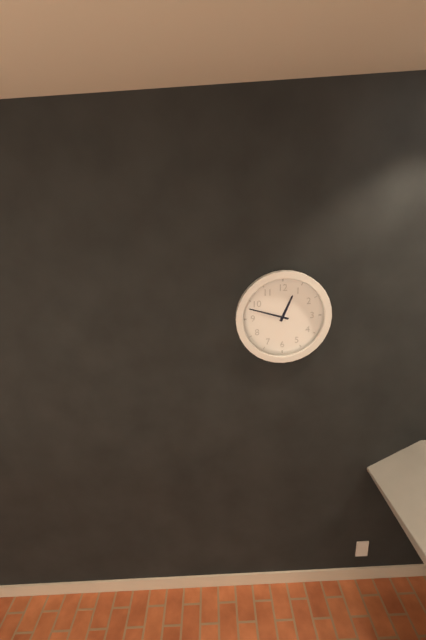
12:48
